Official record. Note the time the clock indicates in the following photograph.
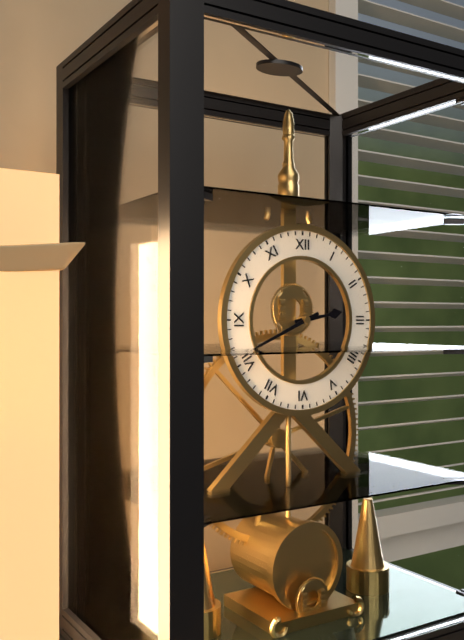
2:41
